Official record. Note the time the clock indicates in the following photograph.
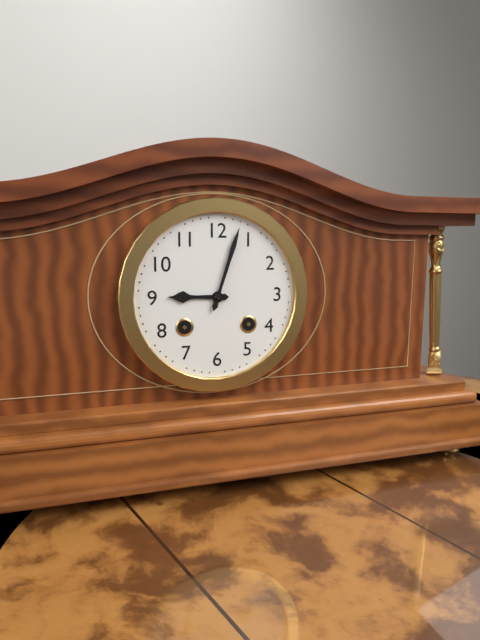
9:03
